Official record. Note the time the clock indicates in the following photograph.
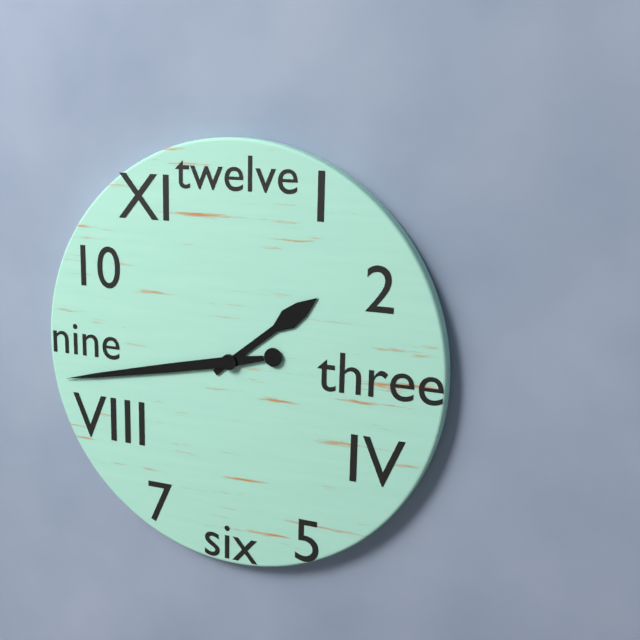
1:43
